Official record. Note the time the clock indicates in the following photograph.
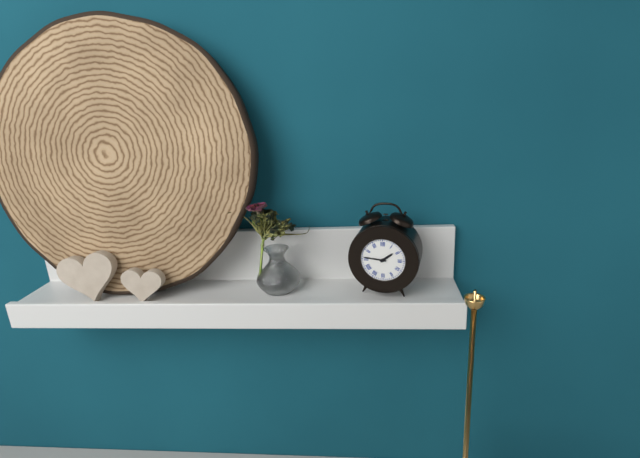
1:46
